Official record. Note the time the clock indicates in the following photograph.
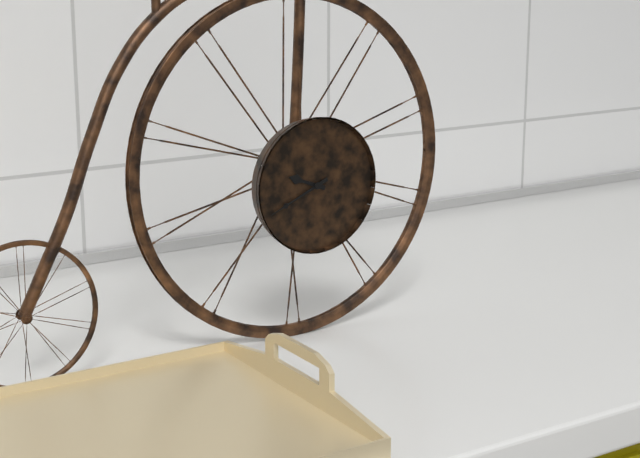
9:41
